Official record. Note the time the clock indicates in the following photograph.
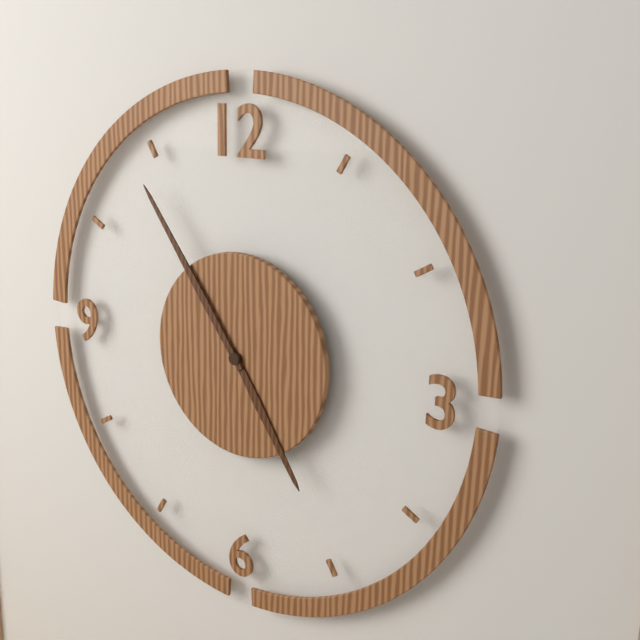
4:54
